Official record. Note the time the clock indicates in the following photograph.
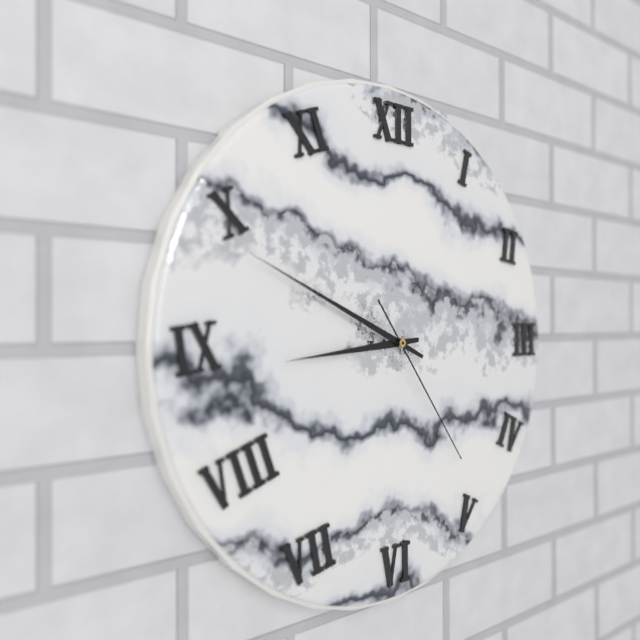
8:49:24
